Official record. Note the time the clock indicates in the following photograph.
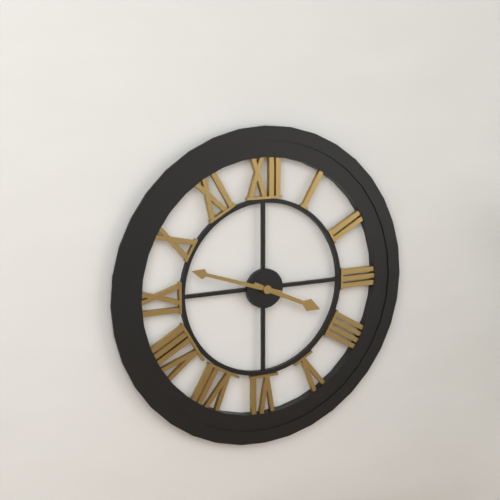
3:48
